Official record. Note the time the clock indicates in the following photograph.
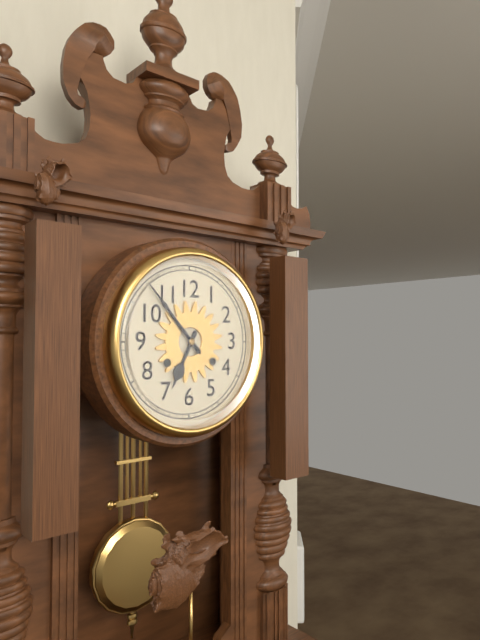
6:53
